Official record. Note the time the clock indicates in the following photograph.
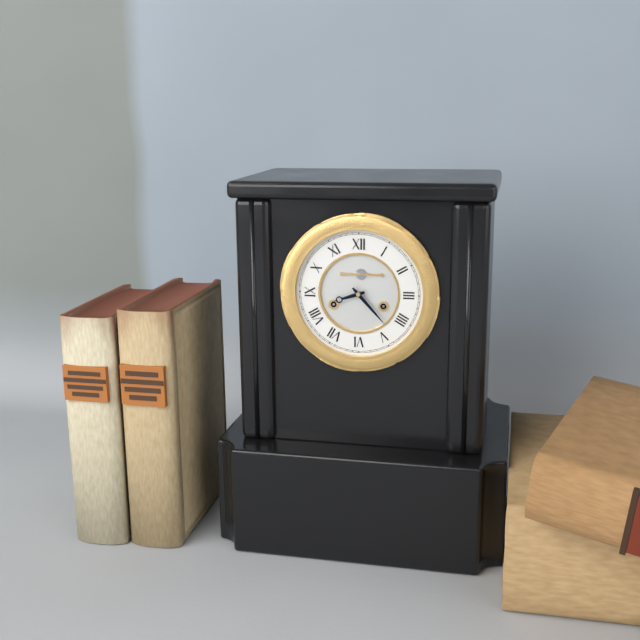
8:23
